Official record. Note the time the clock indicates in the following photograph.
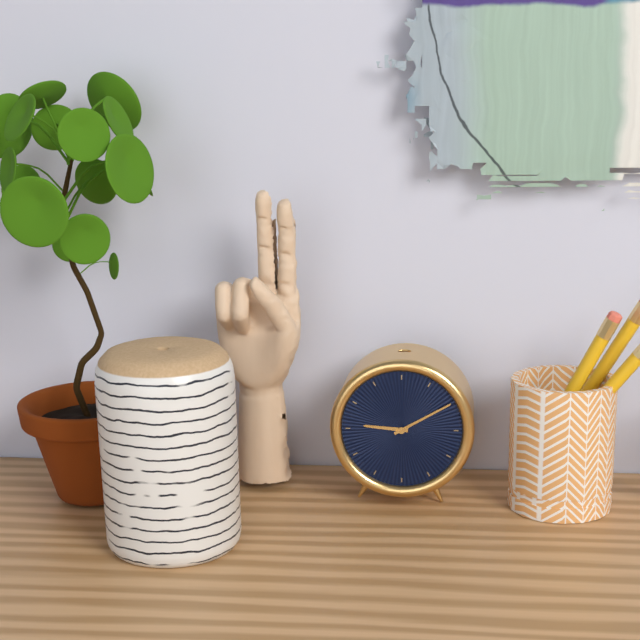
9:10
